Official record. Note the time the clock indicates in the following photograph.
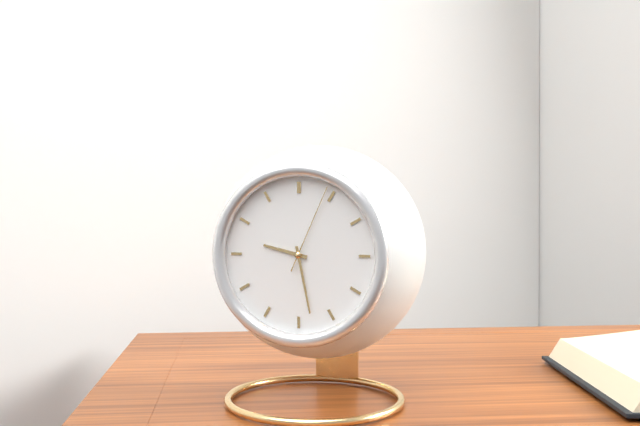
9:28:04
